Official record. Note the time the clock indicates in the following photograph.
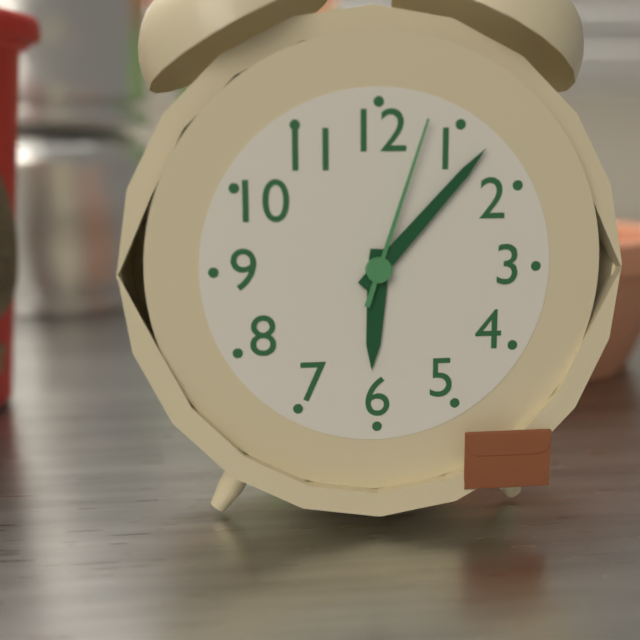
6:07:03
